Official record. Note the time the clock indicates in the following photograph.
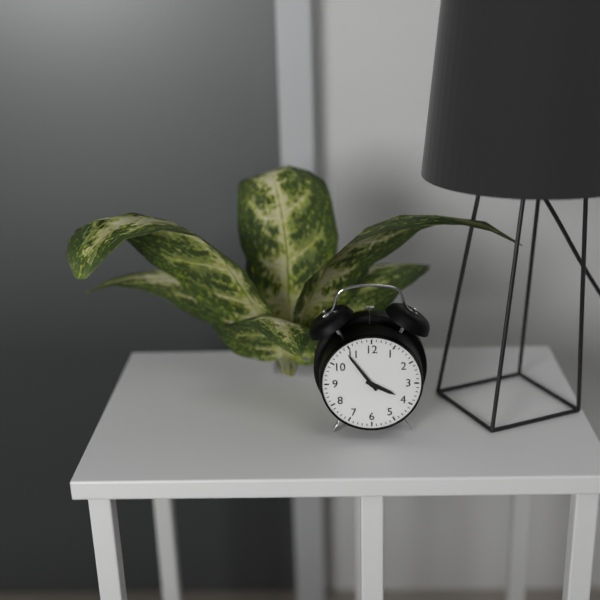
3:54
